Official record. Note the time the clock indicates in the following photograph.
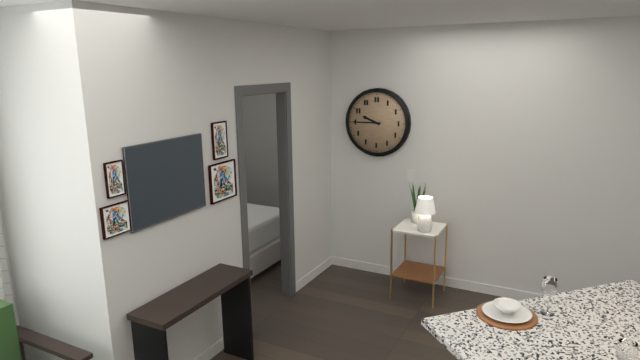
9:45
